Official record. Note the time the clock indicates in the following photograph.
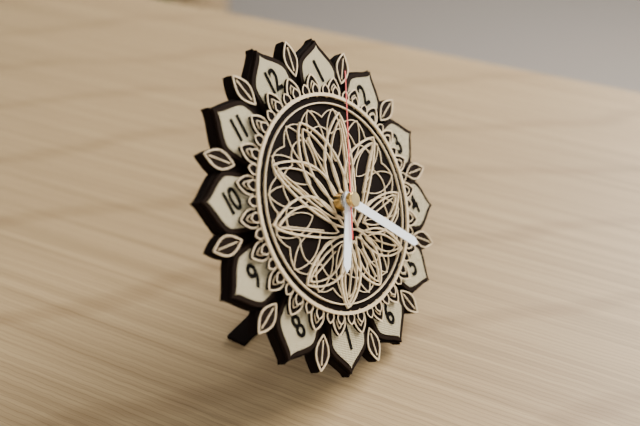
7:24:06
